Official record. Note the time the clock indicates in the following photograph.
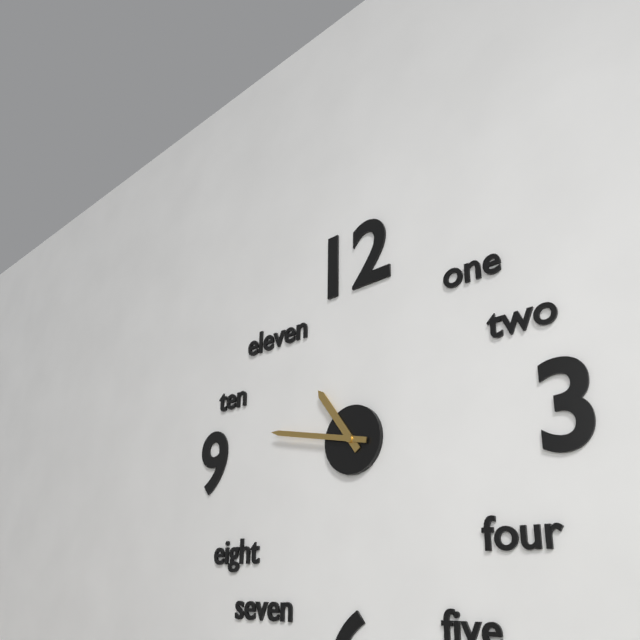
10:47
